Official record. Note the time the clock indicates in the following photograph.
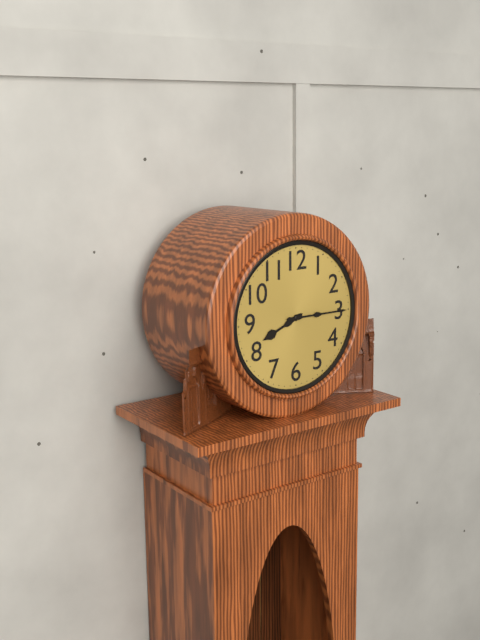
8:15
